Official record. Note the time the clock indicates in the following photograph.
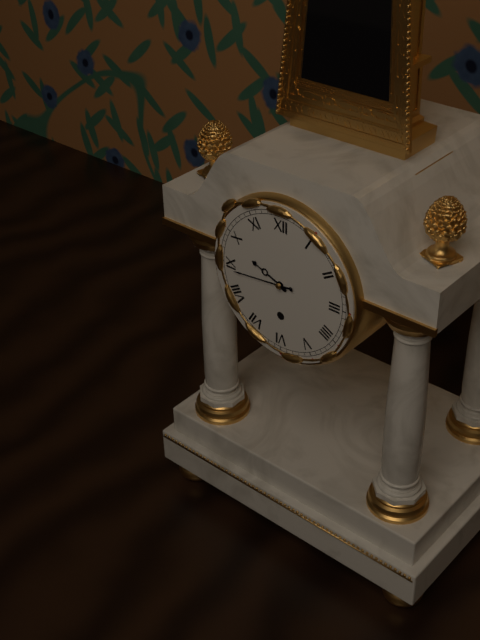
9:44
